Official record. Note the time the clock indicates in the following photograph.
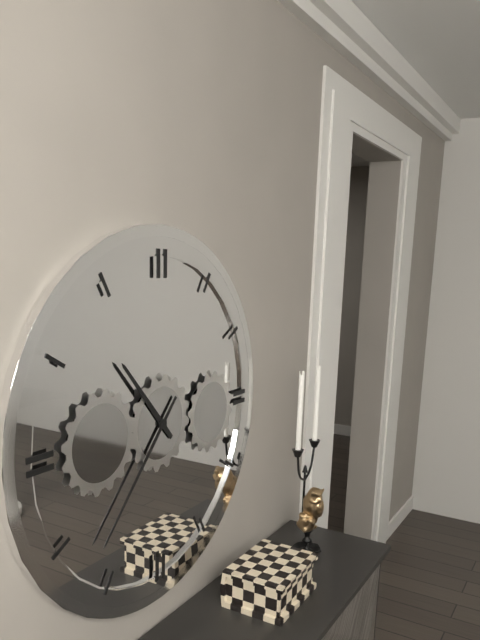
10:37
